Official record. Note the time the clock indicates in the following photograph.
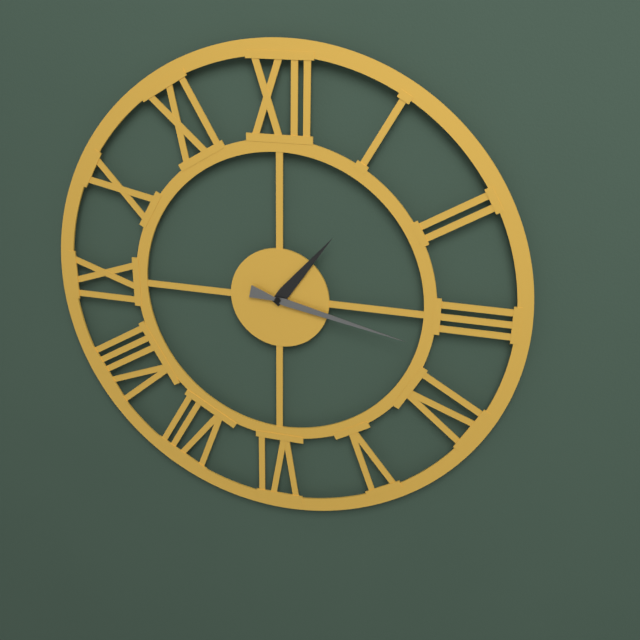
1:17
